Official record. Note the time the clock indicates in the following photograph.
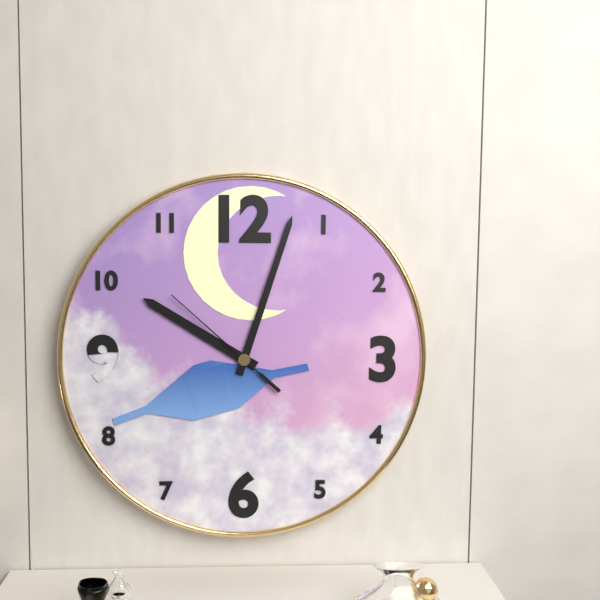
10:03:52
